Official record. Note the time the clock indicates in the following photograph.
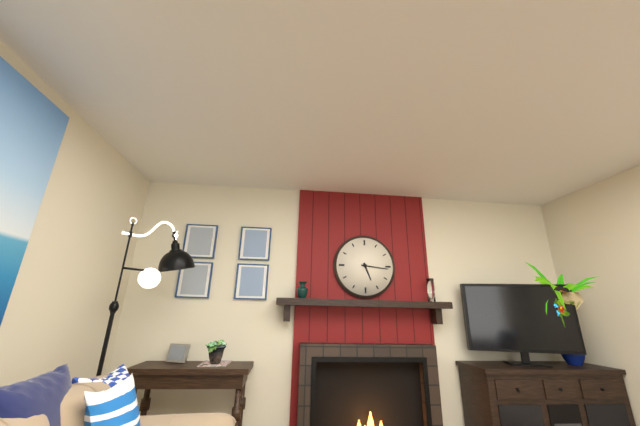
5:16
